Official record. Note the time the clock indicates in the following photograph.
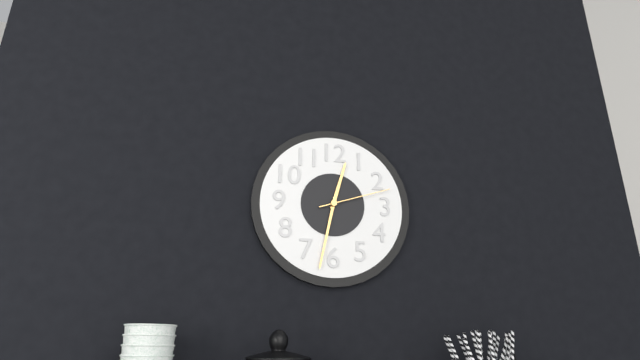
12:32:12
